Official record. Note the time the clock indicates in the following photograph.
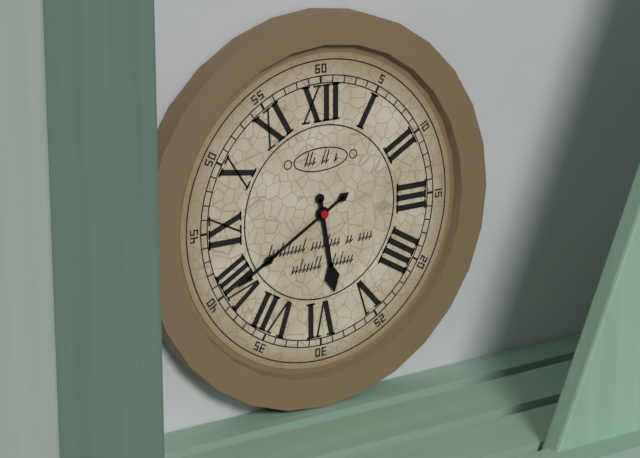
5:40
